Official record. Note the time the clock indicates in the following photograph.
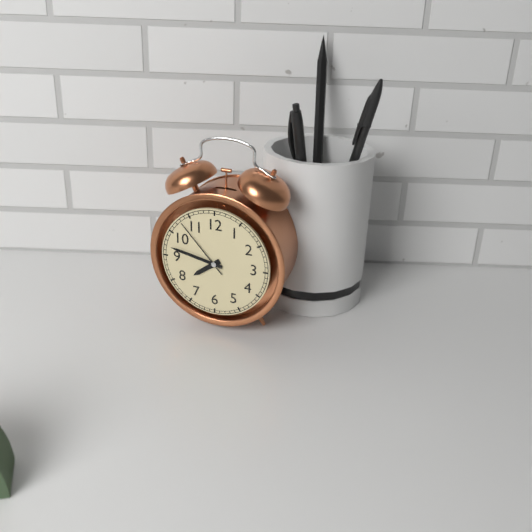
7:47:53
